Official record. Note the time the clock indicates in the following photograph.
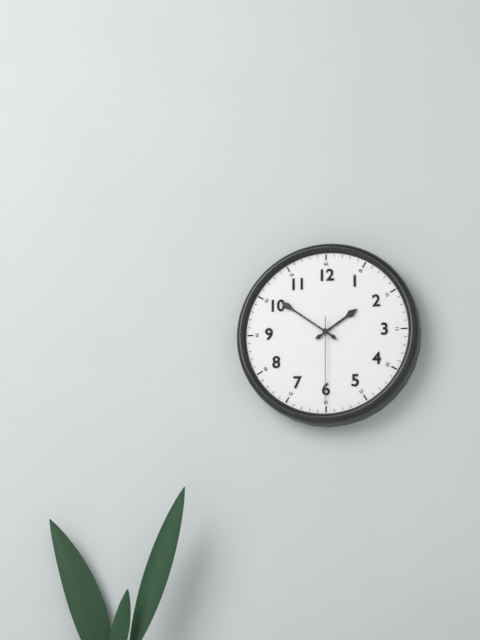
1:51:30
